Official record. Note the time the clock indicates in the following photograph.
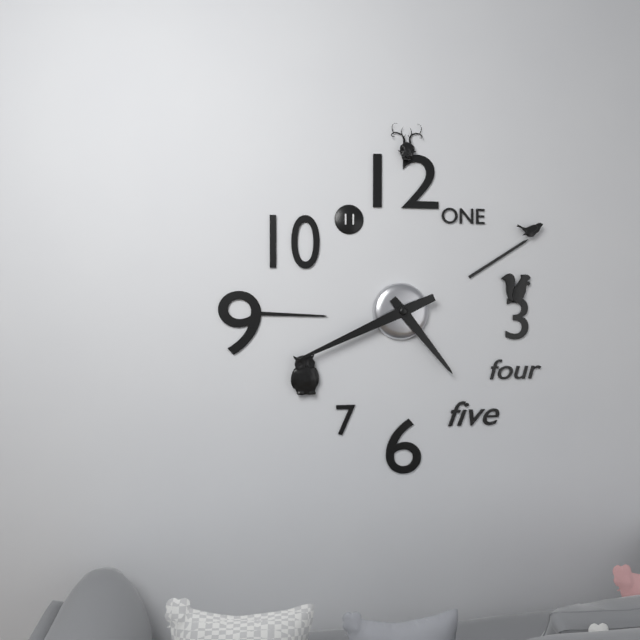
4:41
